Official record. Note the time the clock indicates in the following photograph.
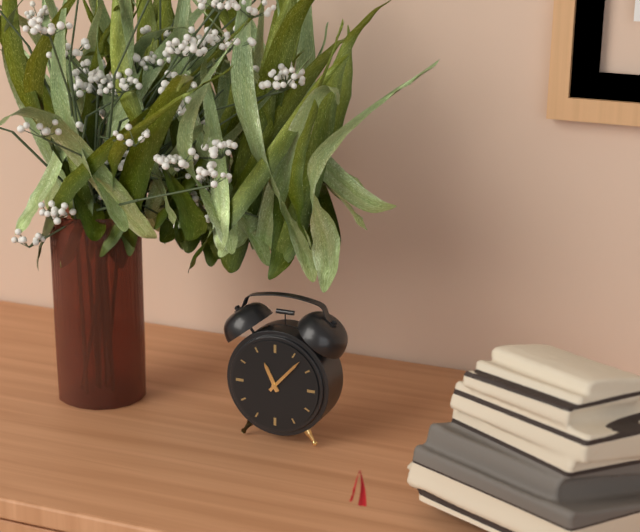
11:07
